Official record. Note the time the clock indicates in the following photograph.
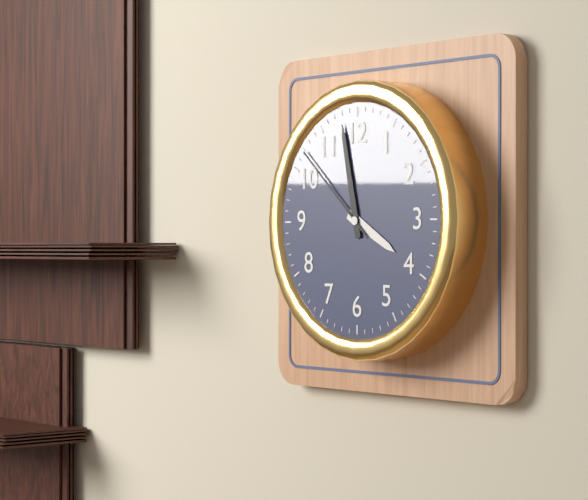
3:58:52
